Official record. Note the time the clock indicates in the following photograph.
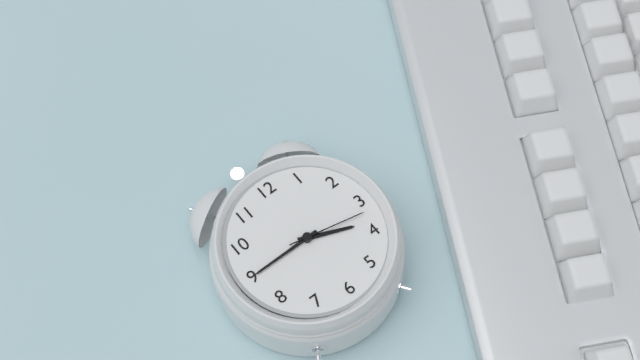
3:45:17
